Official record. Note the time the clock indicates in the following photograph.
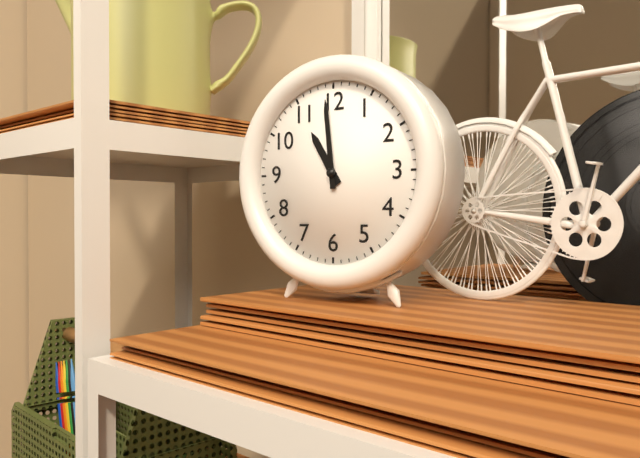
10:59
